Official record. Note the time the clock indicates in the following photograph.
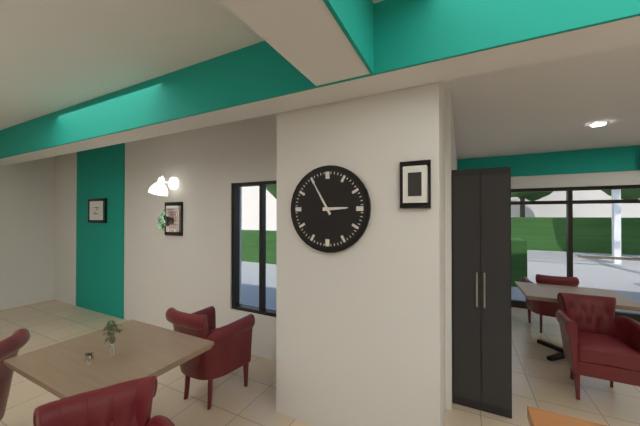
2:55
